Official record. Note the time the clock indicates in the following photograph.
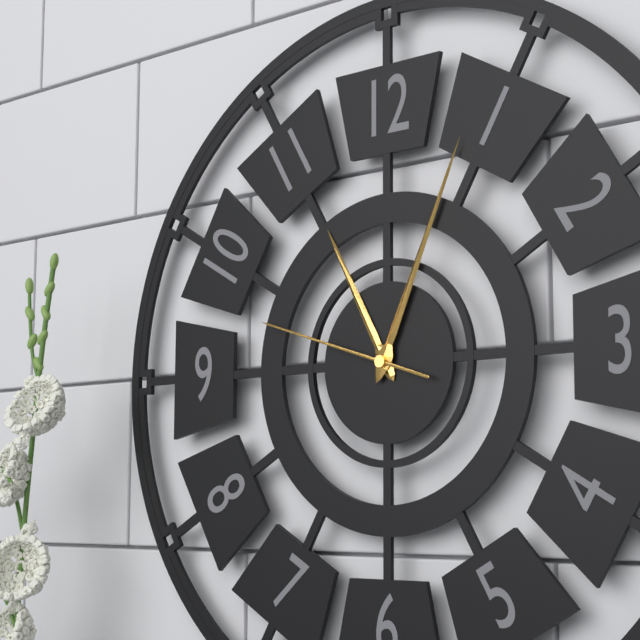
11:04:48
